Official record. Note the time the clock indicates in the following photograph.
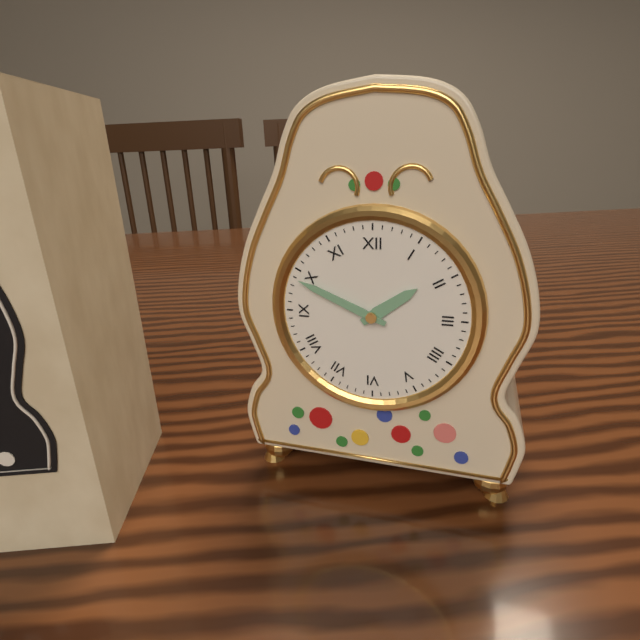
1:49
